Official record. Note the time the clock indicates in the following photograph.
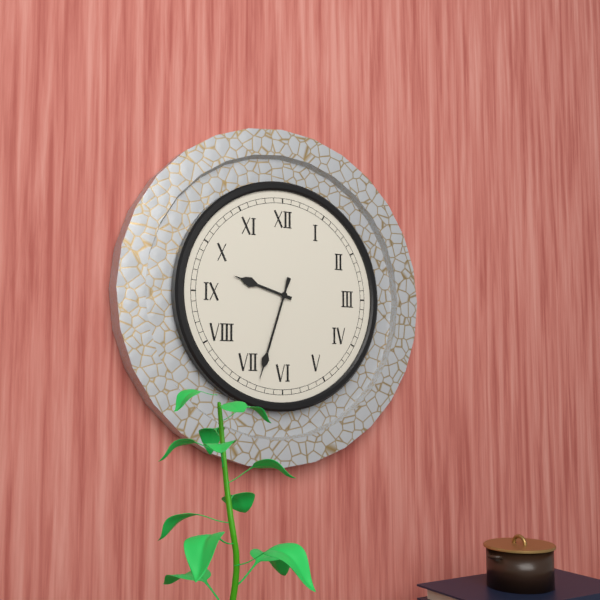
9:33
